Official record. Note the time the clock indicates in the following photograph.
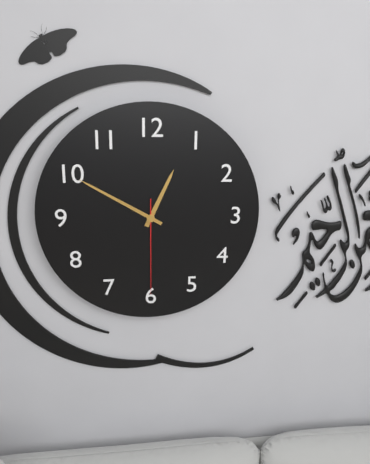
12:50:30
